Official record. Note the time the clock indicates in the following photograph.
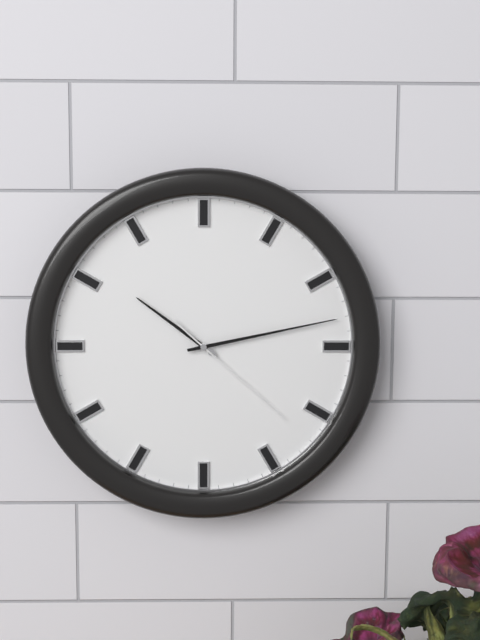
10:13:22
